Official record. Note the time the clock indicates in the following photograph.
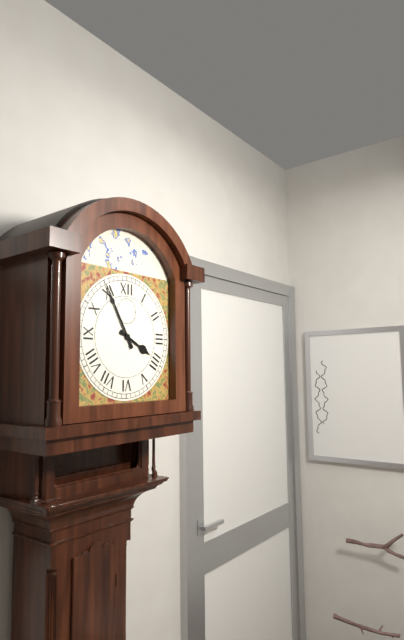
3:55
